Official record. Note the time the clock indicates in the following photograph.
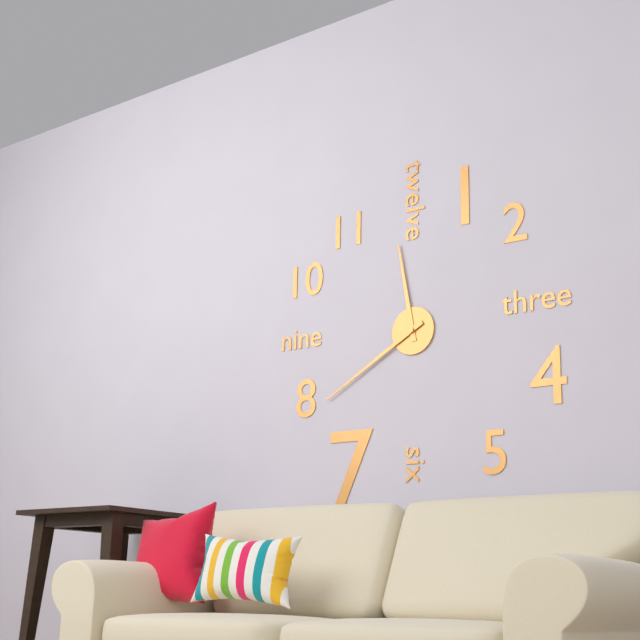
11:40
